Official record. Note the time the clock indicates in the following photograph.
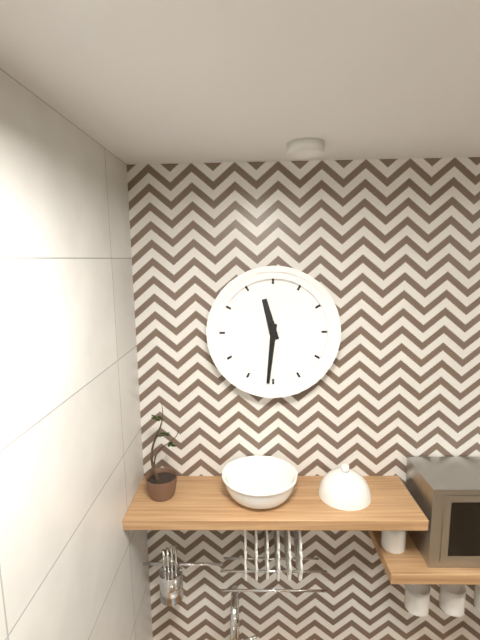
11:31
